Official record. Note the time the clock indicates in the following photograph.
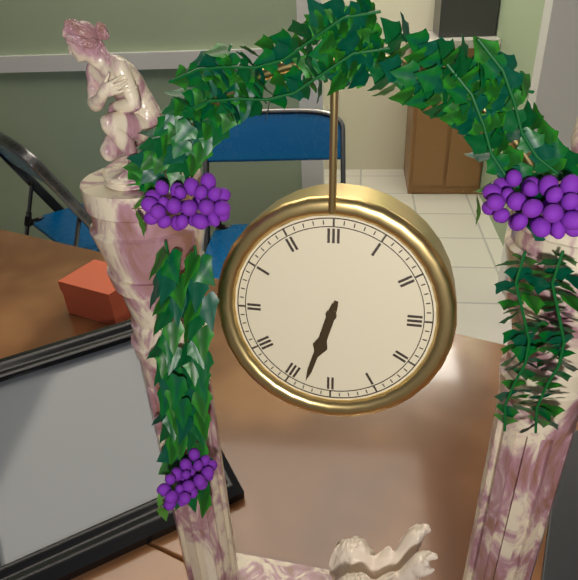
6:33
